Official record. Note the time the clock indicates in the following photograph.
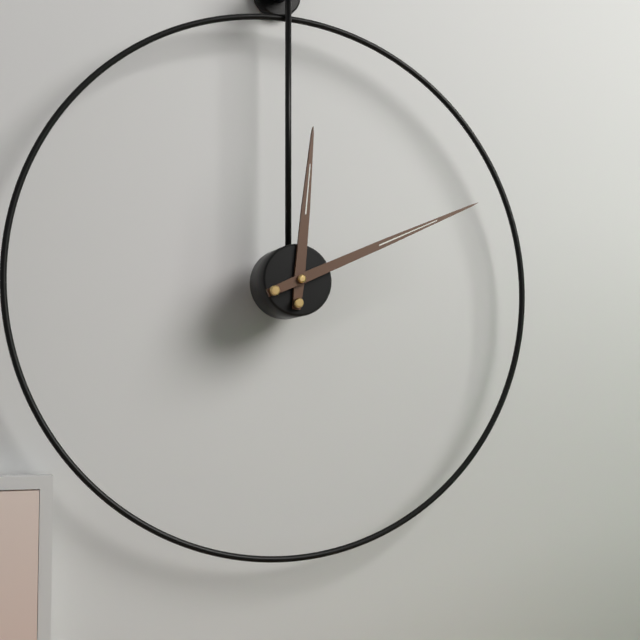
12:11
